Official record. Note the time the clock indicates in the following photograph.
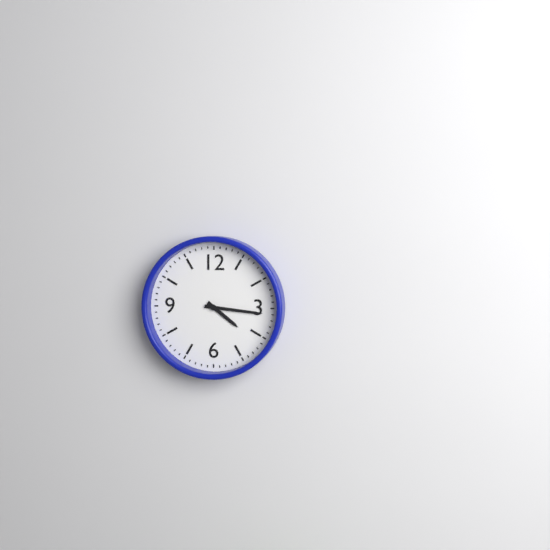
4:16
